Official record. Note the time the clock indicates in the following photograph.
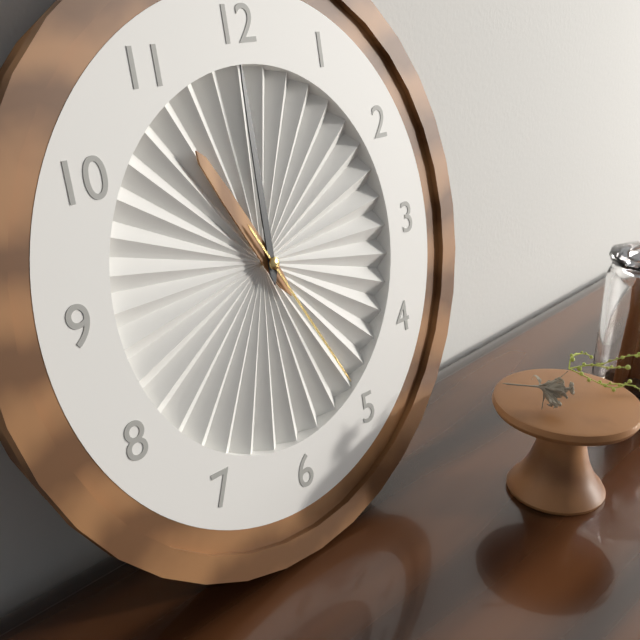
11:00:25
